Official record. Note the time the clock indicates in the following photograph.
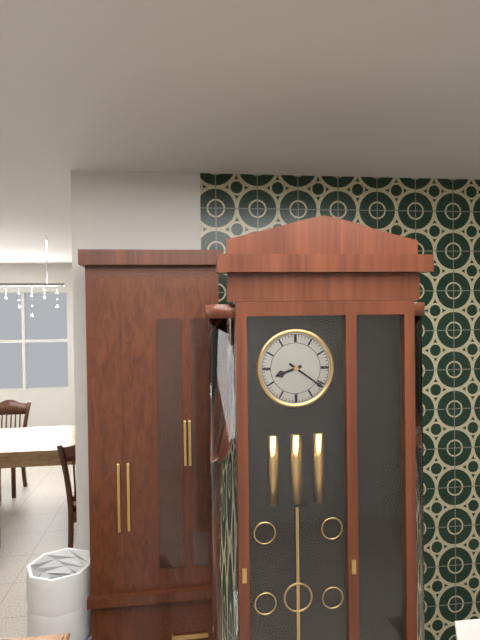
8:21
